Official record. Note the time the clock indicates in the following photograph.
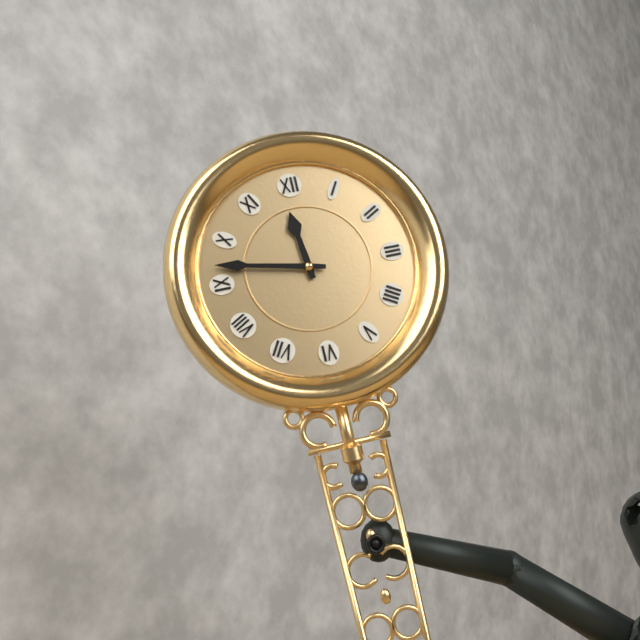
11:47
